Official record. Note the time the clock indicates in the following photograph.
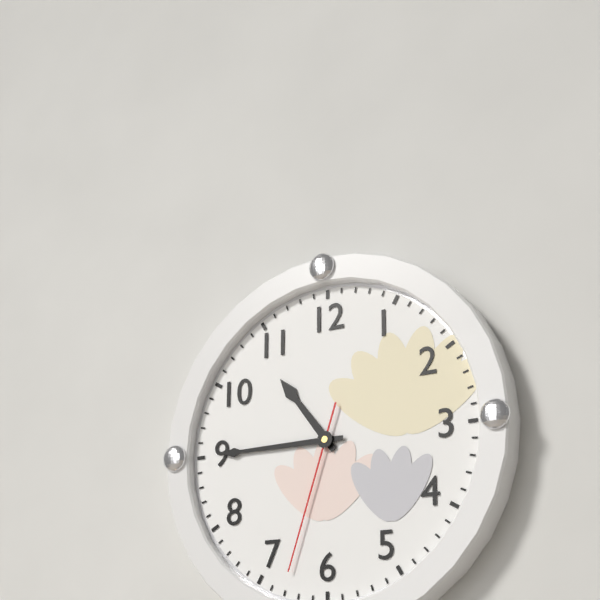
10:45:33
